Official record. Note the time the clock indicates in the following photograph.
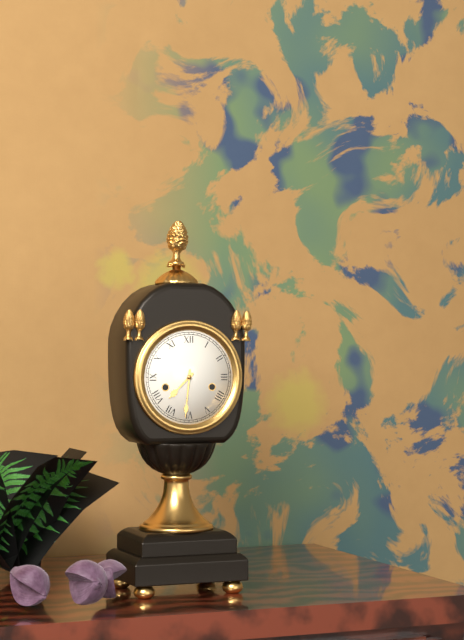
7:31
